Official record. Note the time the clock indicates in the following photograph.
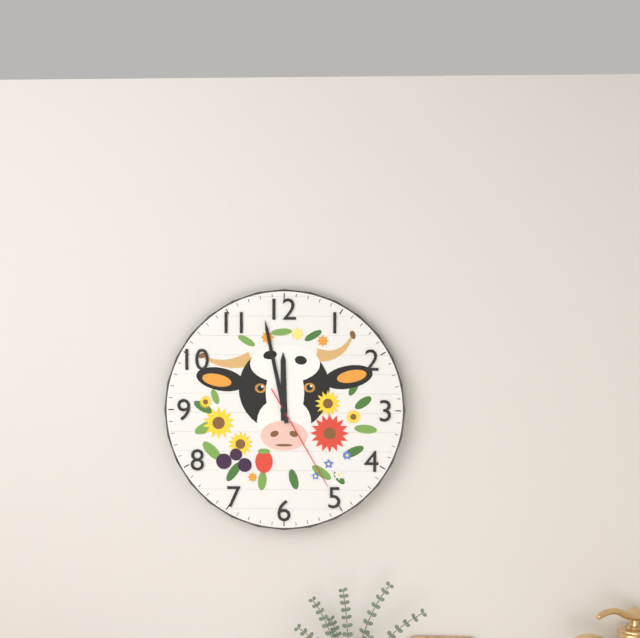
11:58:25
